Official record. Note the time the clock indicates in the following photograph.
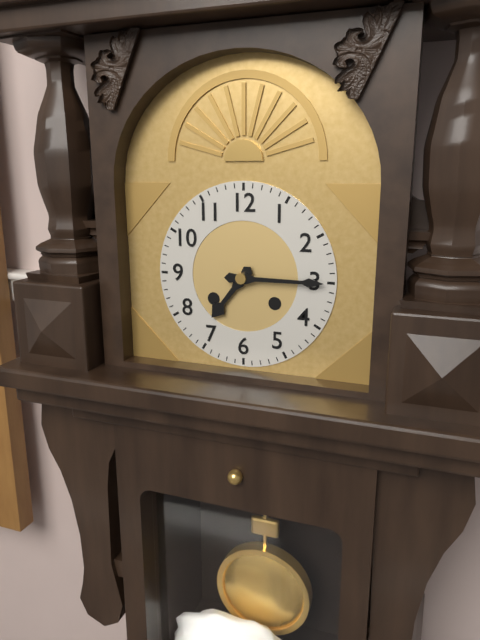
7:15
